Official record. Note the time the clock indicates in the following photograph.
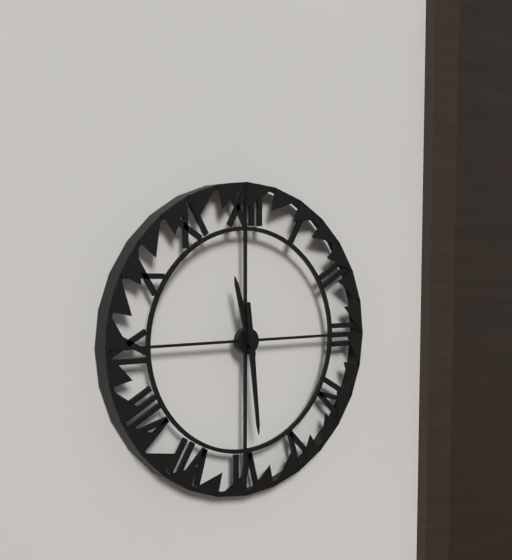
11:29
